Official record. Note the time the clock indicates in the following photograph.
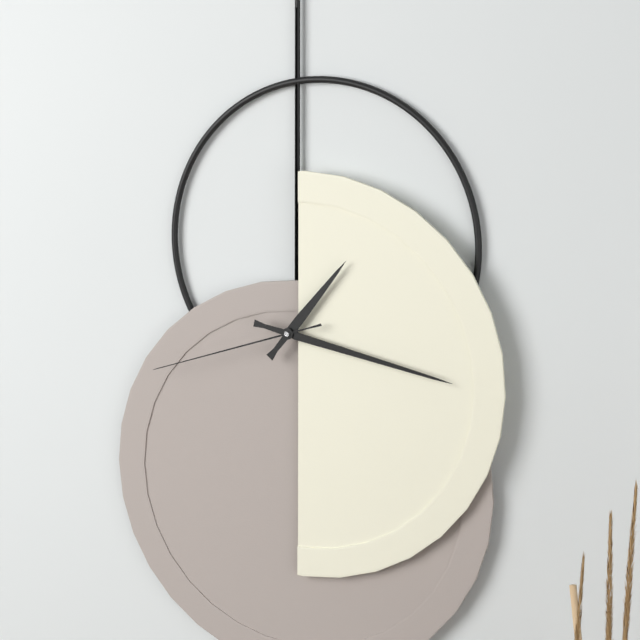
1:17:42
